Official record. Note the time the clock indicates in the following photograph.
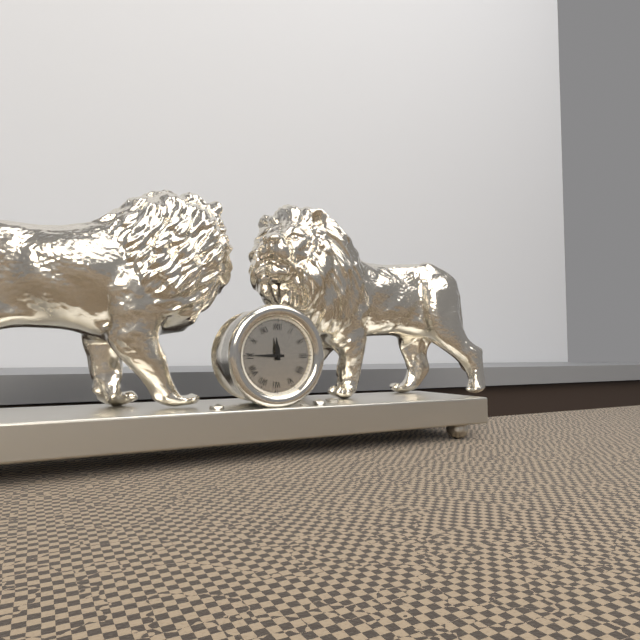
11:45
